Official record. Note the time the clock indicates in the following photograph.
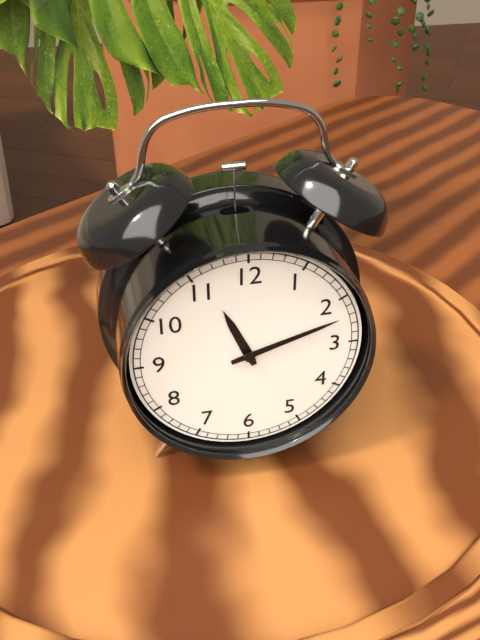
11:12
